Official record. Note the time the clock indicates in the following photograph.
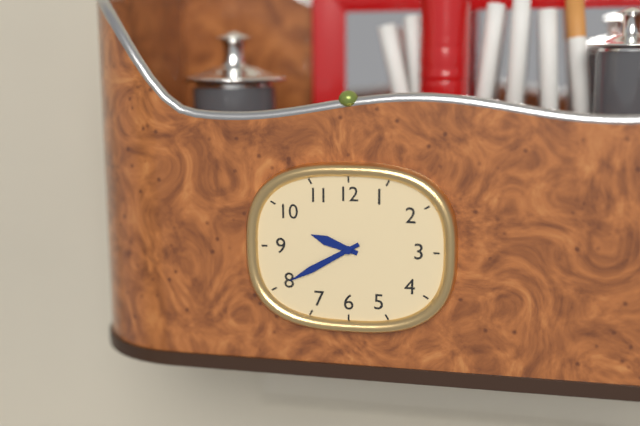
9:40
